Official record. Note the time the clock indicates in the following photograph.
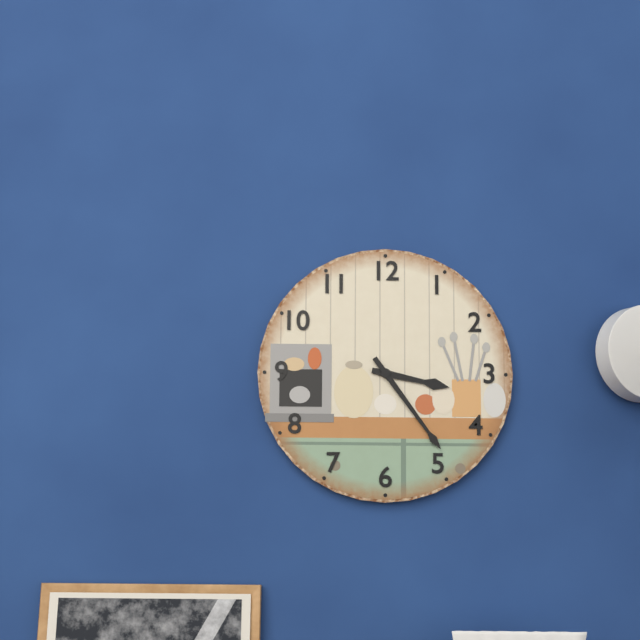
3:24
